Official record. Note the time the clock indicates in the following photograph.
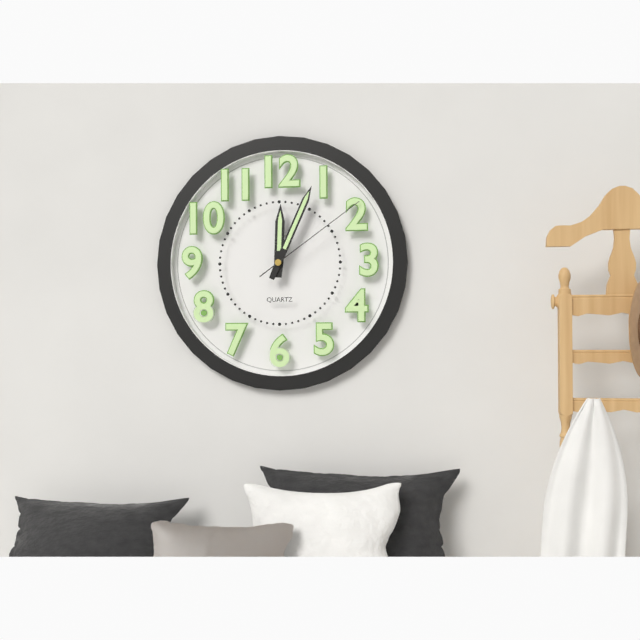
12:04:09
